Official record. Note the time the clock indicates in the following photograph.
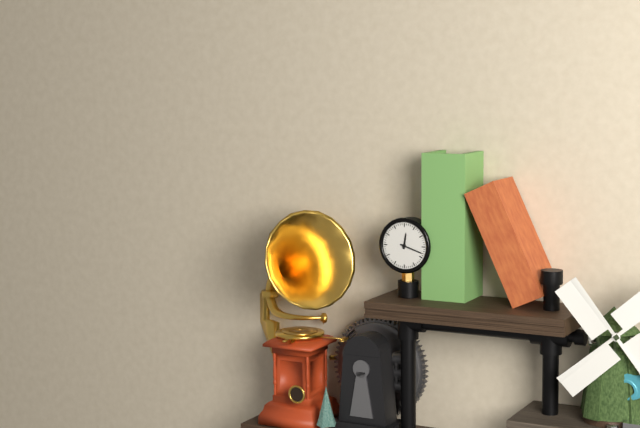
12:18
